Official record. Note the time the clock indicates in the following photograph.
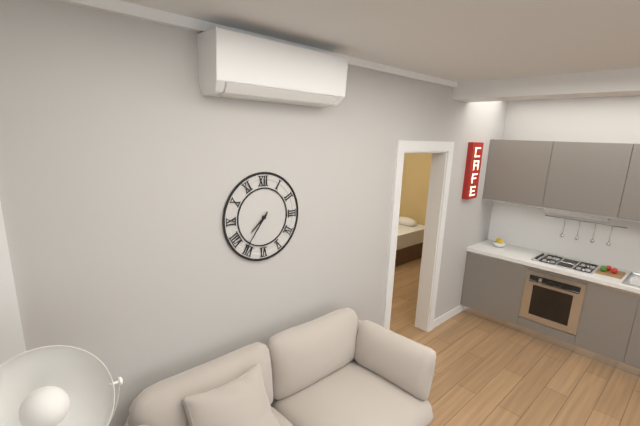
7:36
